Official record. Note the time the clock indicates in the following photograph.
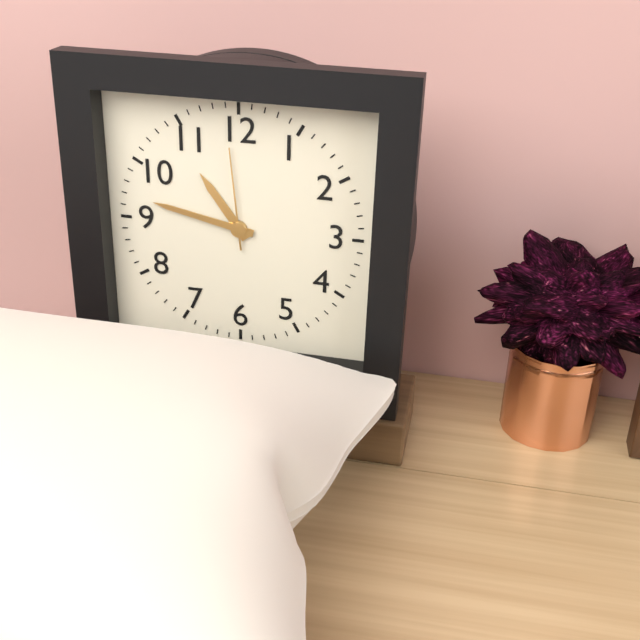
10:47:59
